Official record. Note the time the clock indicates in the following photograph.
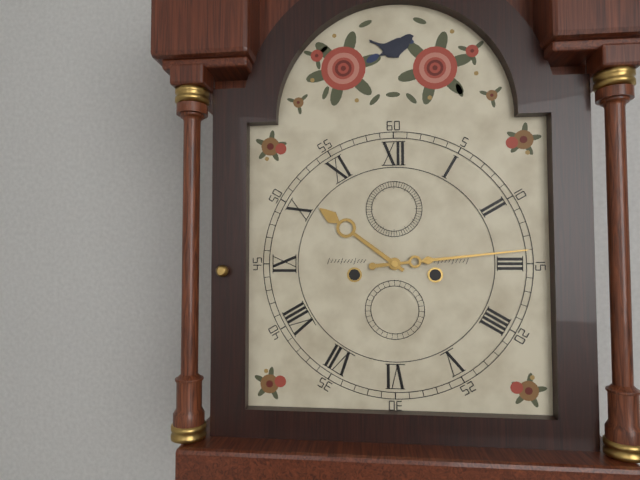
10:14
